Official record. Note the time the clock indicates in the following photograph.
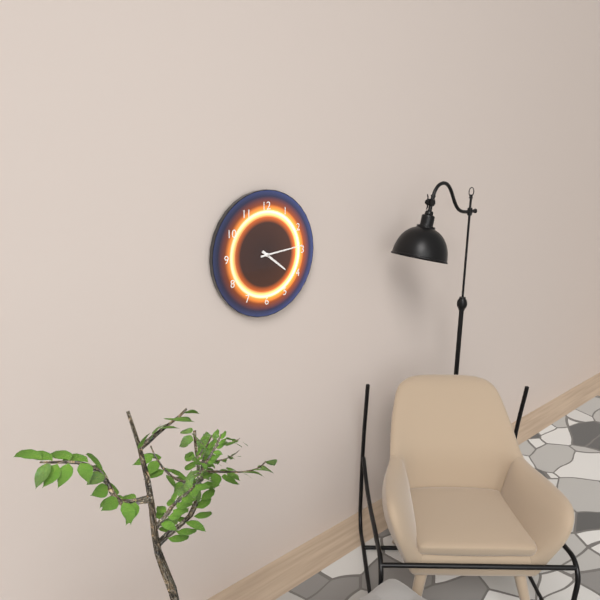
4:14
